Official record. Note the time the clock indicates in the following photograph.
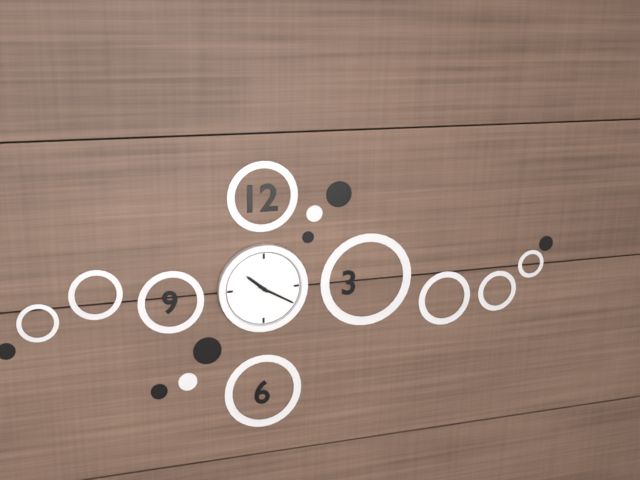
10:20
